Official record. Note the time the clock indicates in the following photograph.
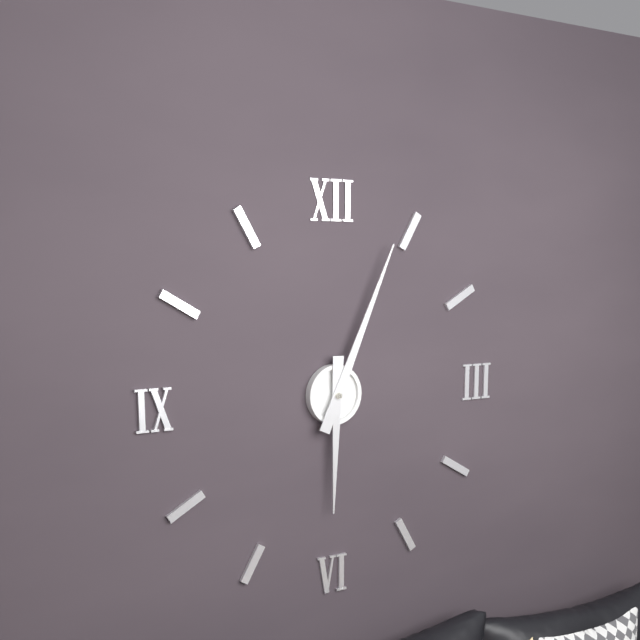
6:04
